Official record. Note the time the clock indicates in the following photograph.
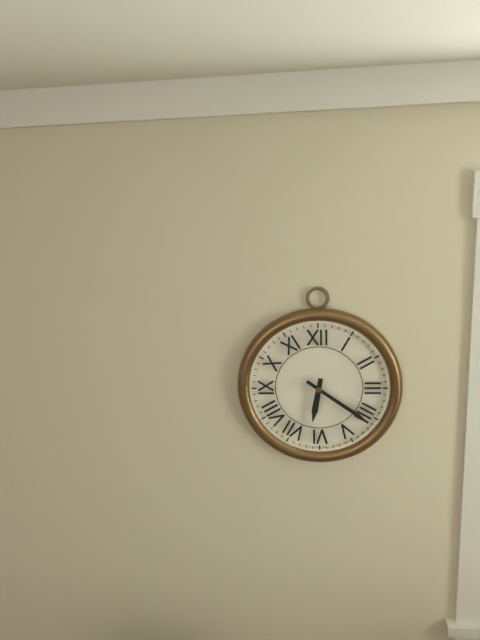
6:21
